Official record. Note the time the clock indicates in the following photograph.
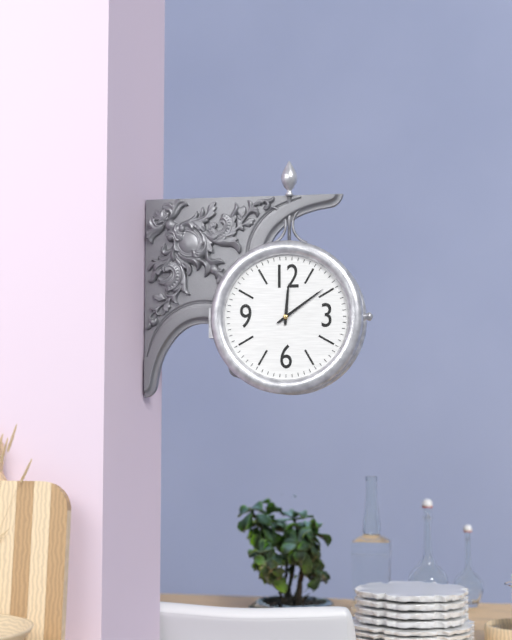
12:09
